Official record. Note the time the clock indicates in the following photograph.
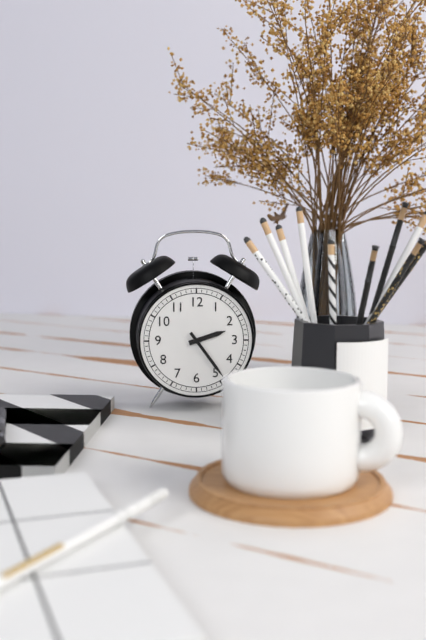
2:24
